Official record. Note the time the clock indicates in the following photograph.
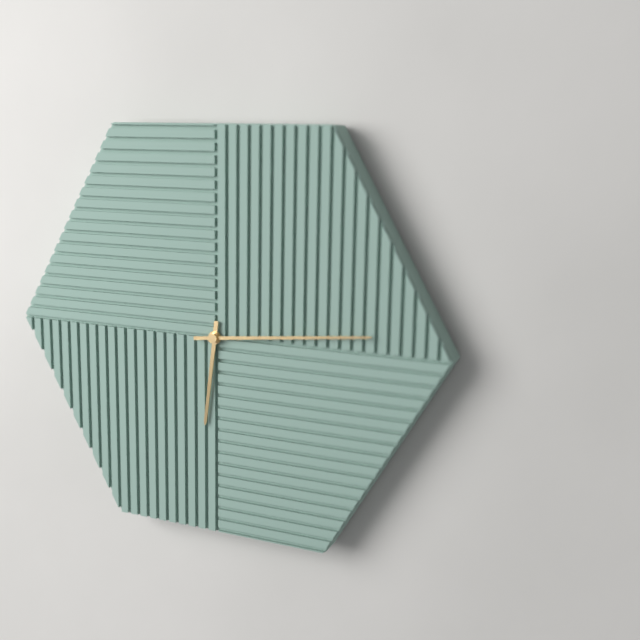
6:14
